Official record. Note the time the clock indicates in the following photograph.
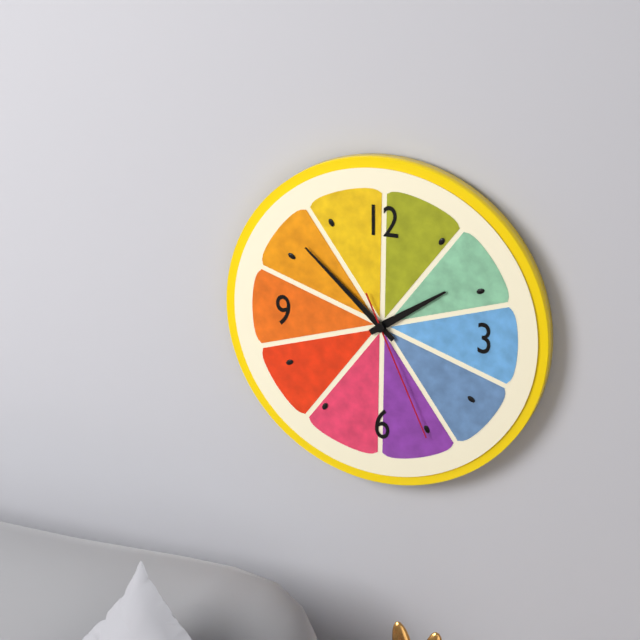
1:52:26
